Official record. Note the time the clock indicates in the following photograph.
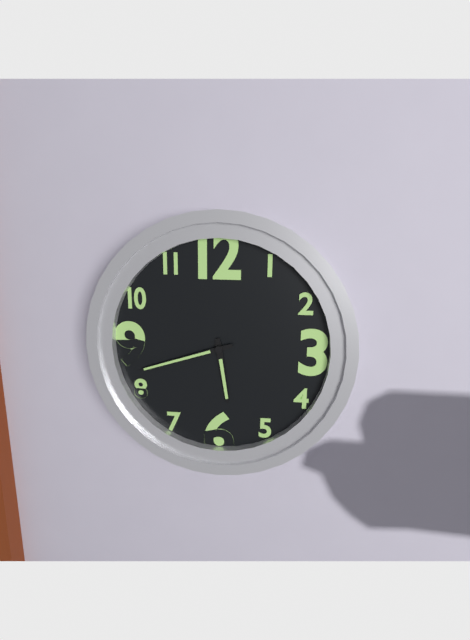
5:42
